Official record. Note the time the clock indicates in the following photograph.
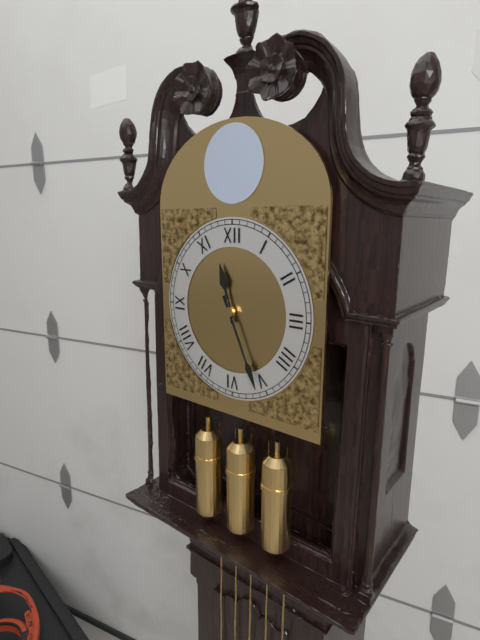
11:26
